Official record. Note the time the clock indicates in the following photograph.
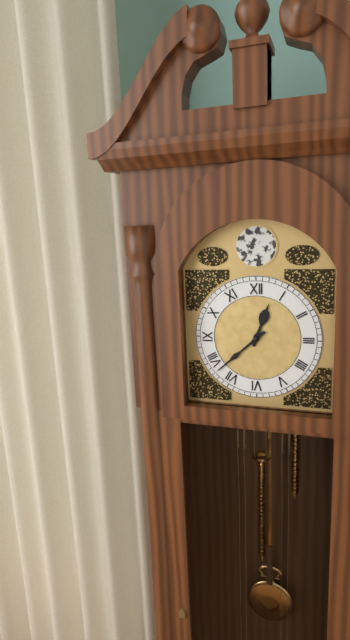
12:38
